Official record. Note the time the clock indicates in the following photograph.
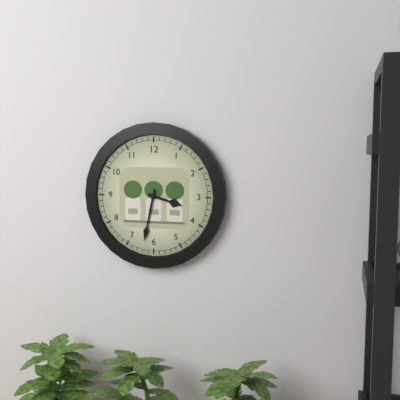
3:32
